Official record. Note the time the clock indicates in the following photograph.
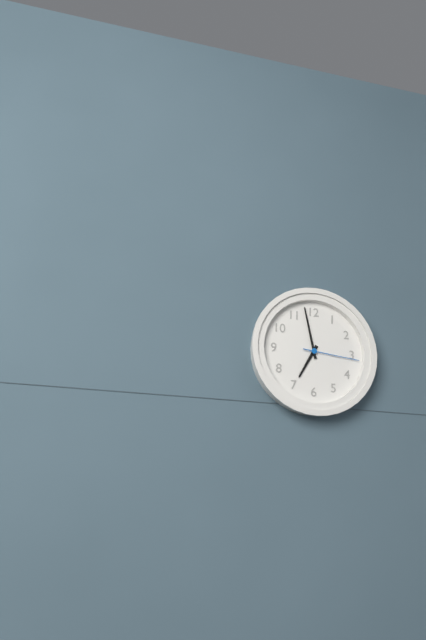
6:58:16
